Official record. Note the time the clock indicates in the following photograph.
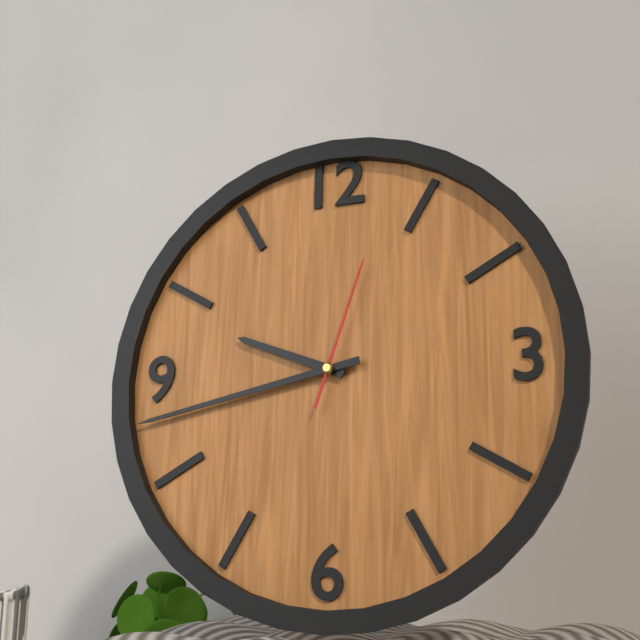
9:43:03
